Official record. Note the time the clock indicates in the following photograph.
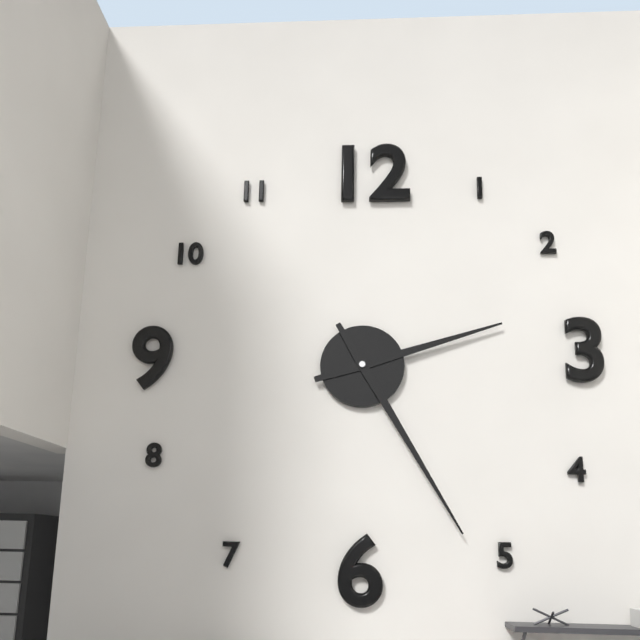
2:25
